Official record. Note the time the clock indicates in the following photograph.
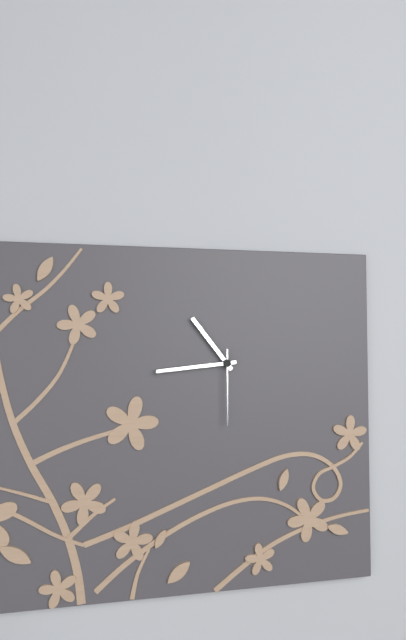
10:44:30
